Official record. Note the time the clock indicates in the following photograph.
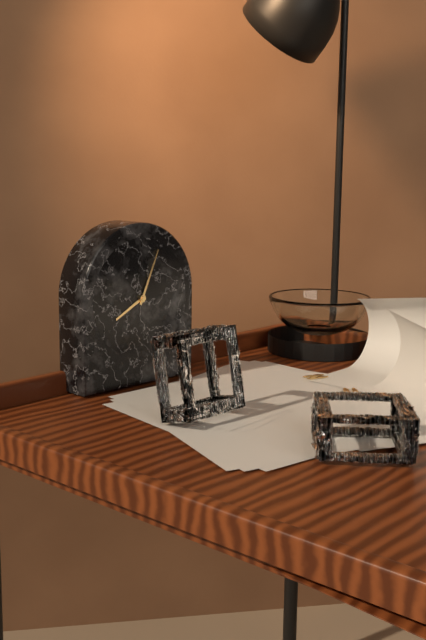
8:04
